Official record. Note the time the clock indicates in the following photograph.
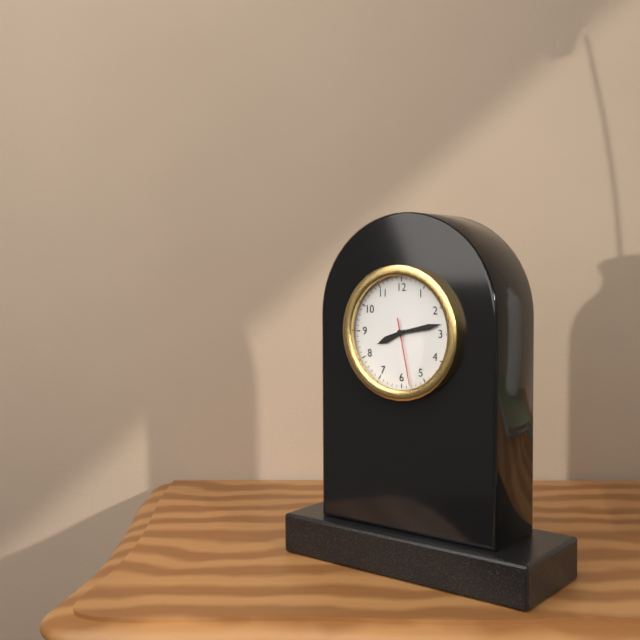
8:13:28
